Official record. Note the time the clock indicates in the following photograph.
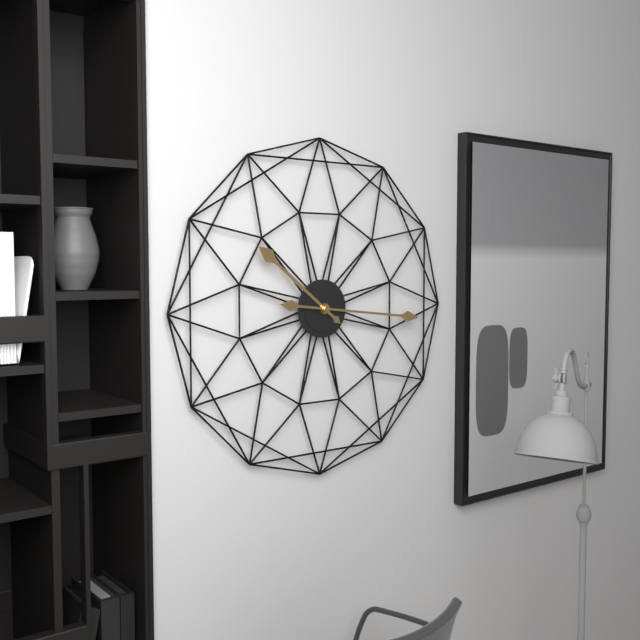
10:16
